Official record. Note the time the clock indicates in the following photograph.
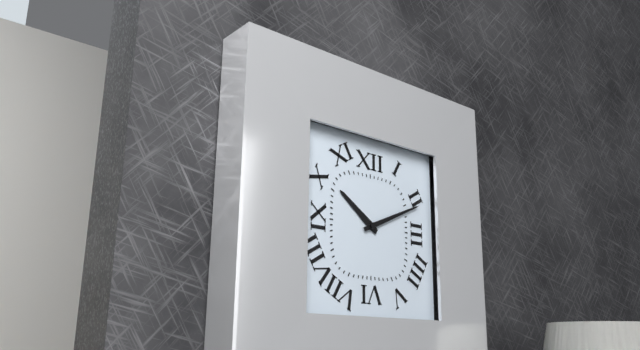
10:11
